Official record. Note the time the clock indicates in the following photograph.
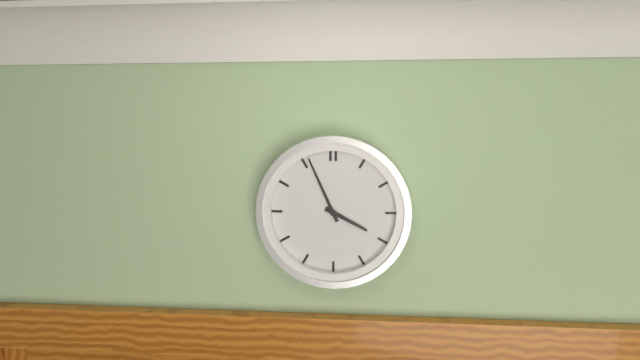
3:56
